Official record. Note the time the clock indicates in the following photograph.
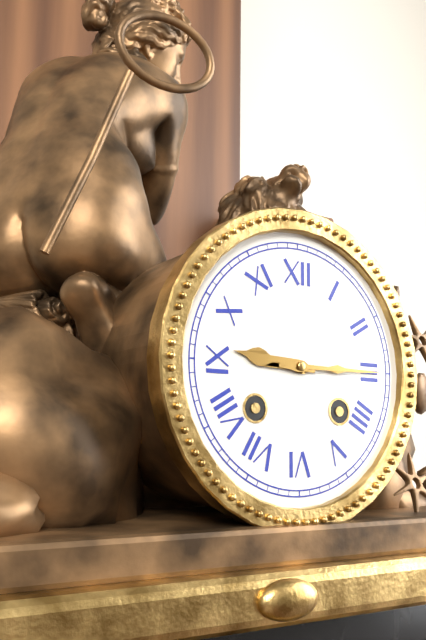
9:15
